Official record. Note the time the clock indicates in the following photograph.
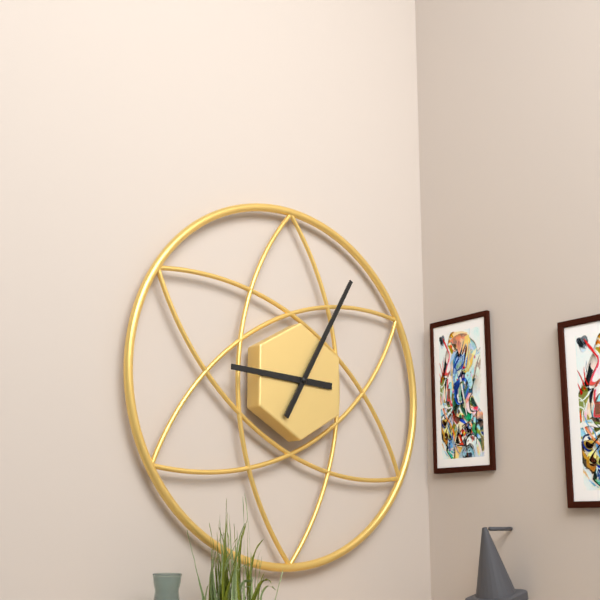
9:05
